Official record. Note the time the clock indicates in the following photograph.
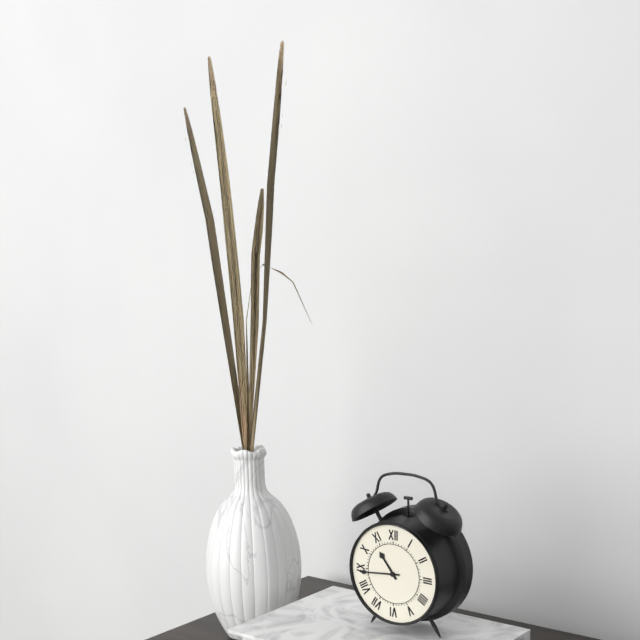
10:44
